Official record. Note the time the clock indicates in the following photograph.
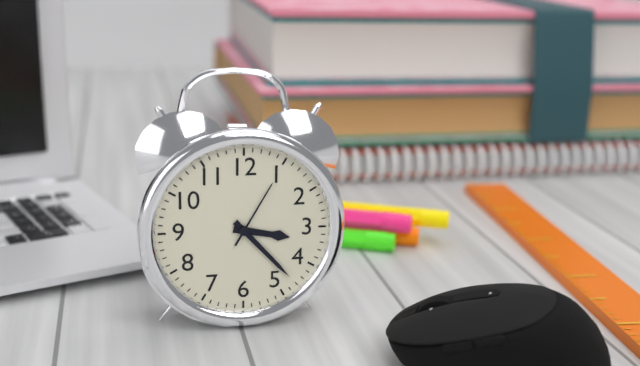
3:23:05
